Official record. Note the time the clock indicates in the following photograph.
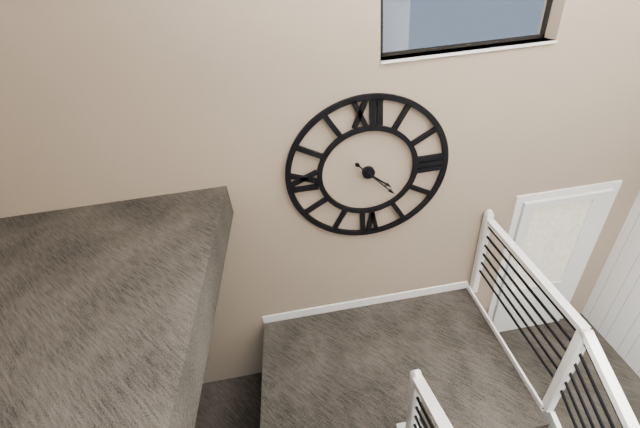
4:23
